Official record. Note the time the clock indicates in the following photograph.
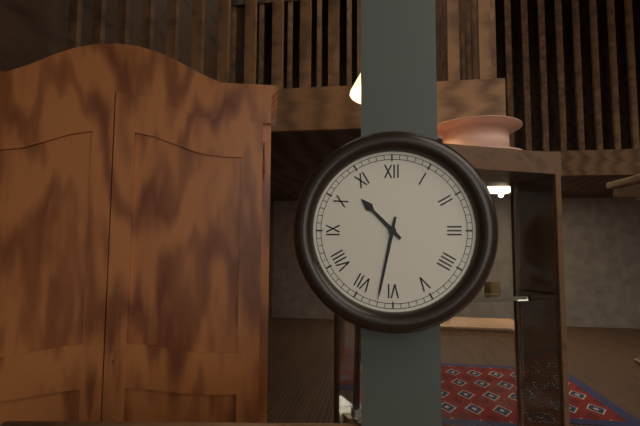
10:32
